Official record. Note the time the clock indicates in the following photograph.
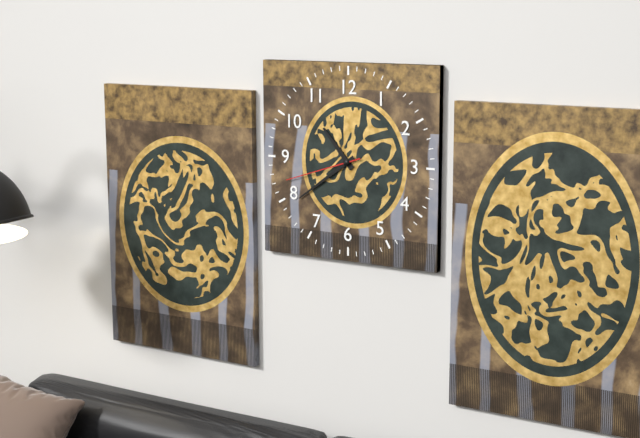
10:39:42
